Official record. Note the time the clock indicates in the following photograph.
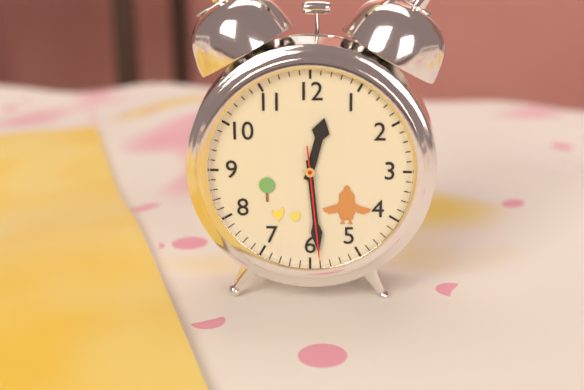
12:29:29
